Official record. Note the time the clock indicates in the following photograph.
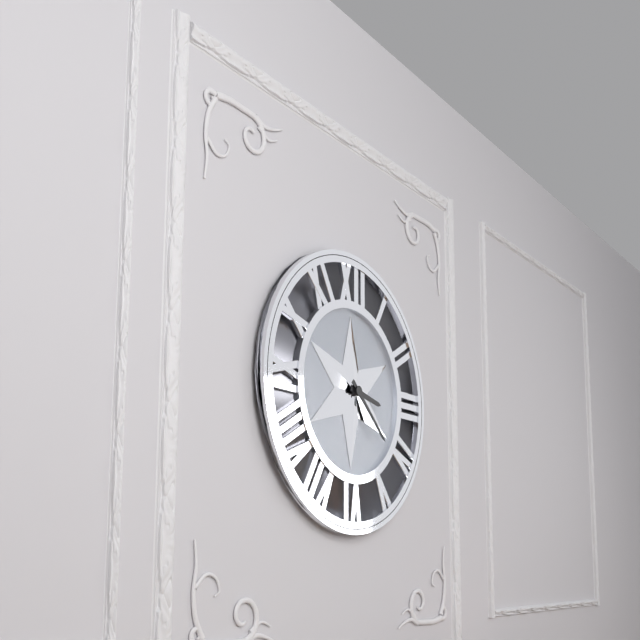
3:22
